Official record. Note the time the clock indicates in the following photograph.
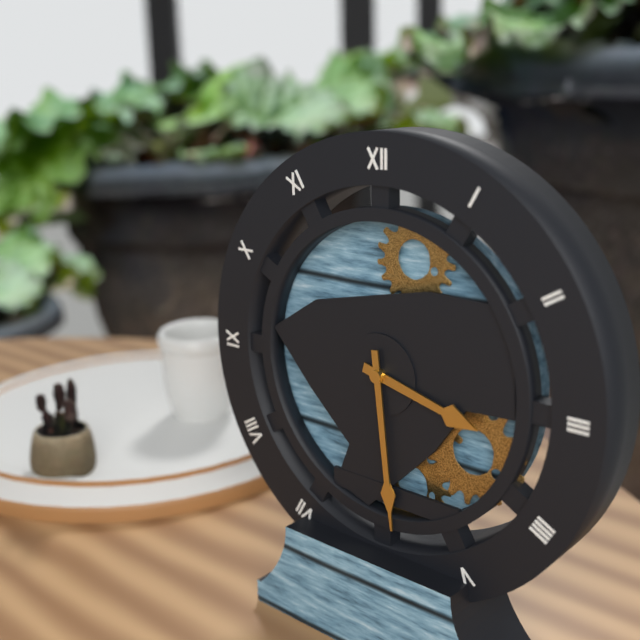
3:29
